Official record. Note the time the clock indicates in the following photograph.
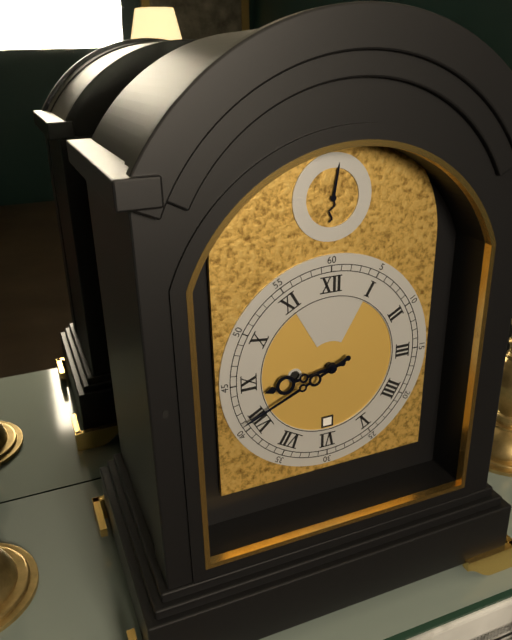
8:41
